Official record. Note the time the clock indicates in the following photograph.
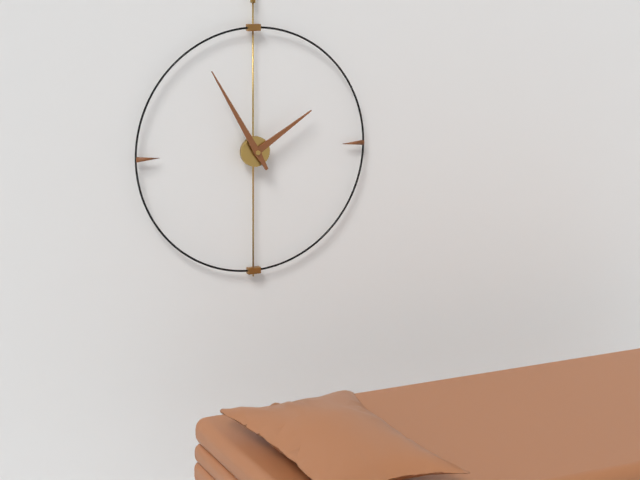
1:55
